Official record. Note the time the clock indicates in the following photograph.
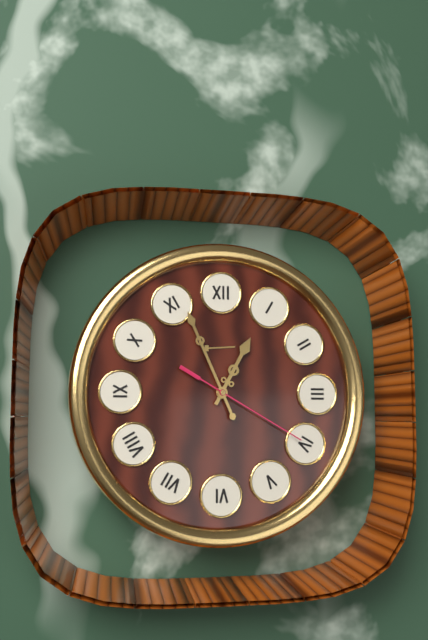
12:56:20
